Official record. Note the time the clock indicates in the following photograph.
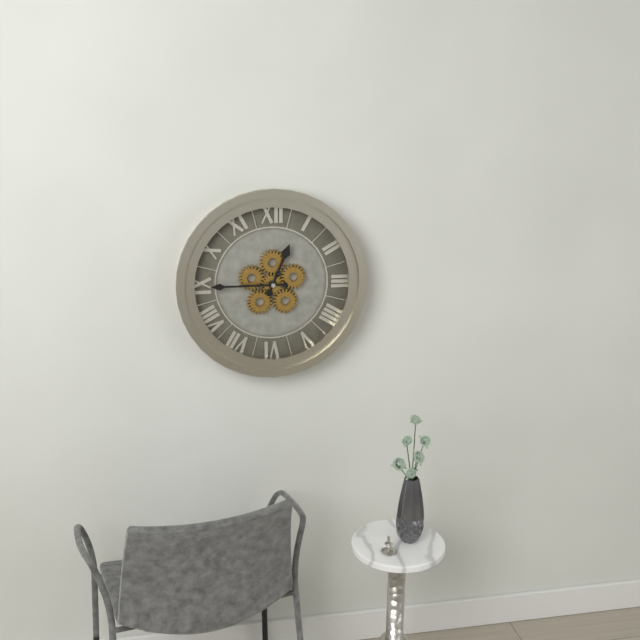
12:45
